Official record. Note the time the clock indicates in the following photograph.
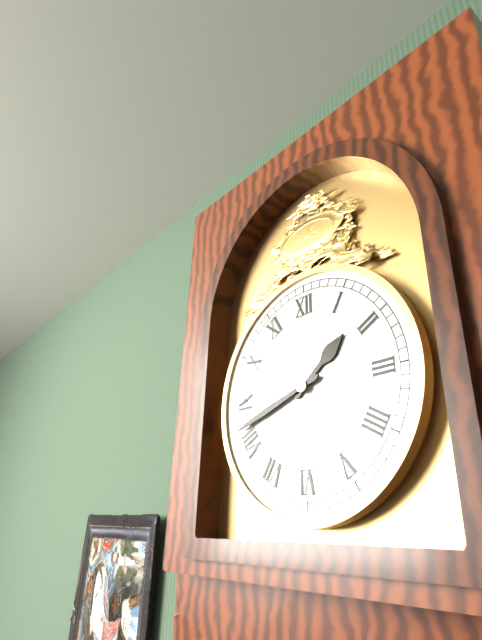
1:42
